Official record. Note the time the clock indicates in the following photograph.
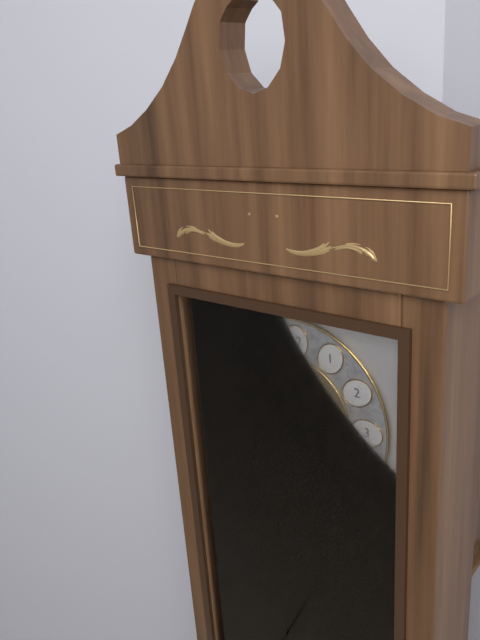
12:20
